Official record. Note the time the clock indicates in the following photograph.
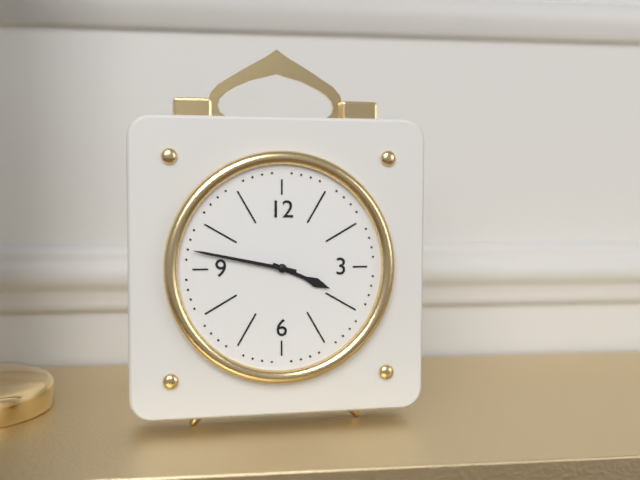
3:47
